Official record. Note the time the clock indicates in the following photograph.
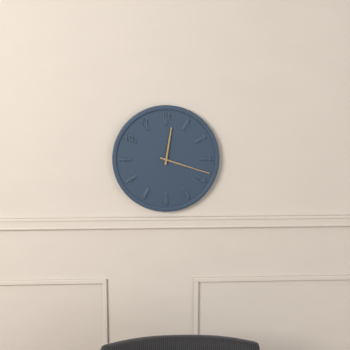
12:18
